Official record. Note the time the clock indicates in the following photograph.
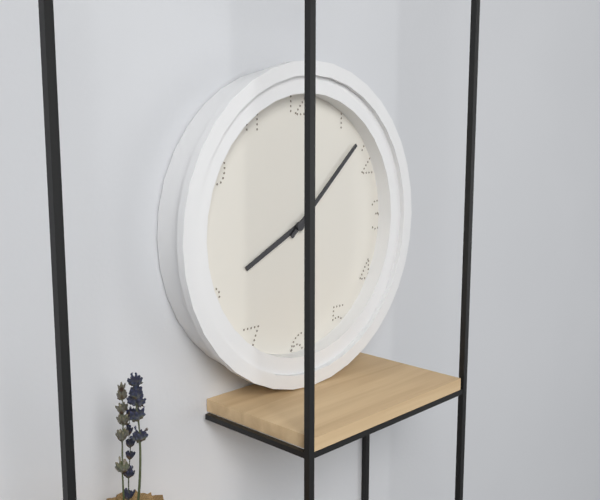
8:08
